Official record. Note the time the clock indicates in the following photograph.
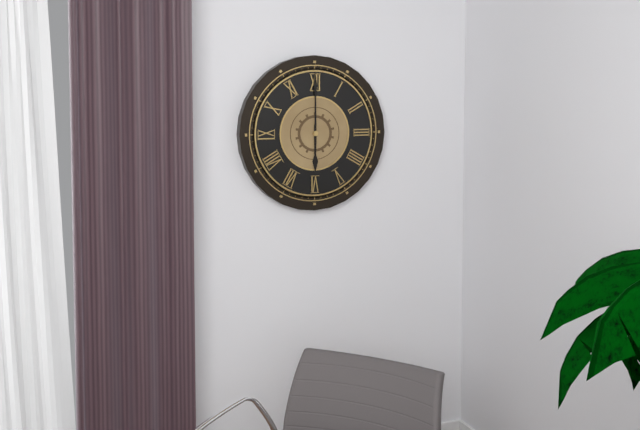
6:00
